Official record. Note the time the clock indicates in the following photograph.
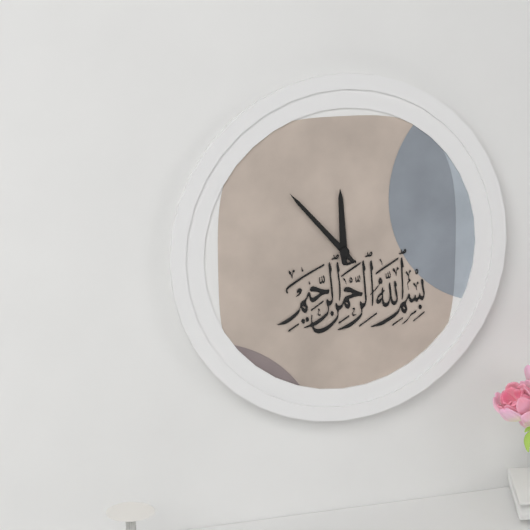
11:53
